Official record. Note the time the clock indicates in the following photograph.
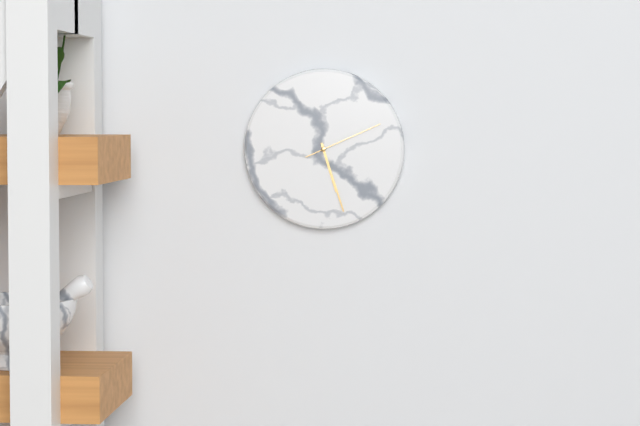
5:27:11
